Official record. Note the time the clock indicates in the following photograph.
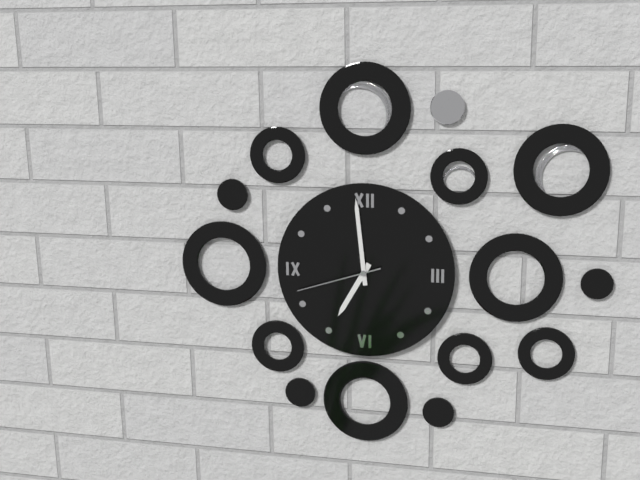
6:59:42
